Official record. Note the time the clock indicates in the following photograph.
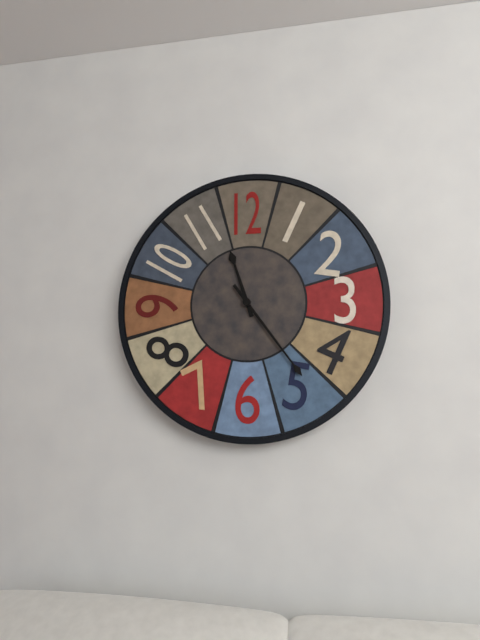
11:24
